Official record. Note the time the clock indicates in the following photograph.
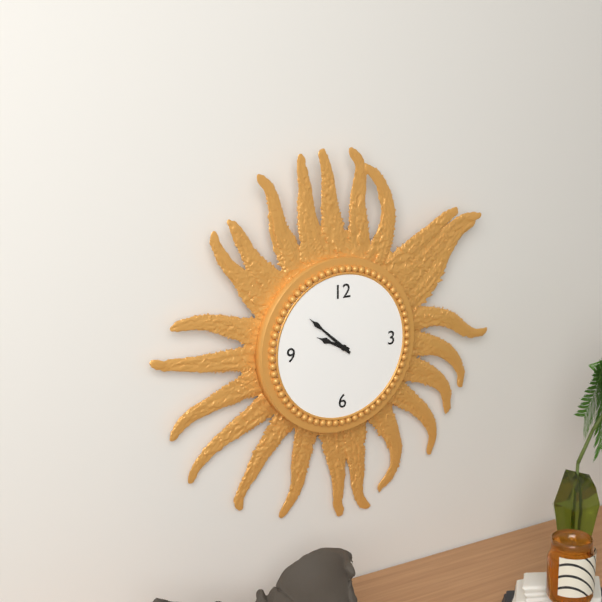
9:52
